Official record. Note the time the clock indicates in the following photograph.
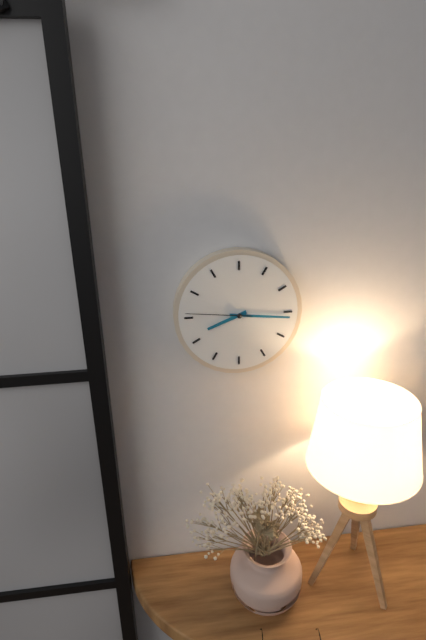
8:16:46
